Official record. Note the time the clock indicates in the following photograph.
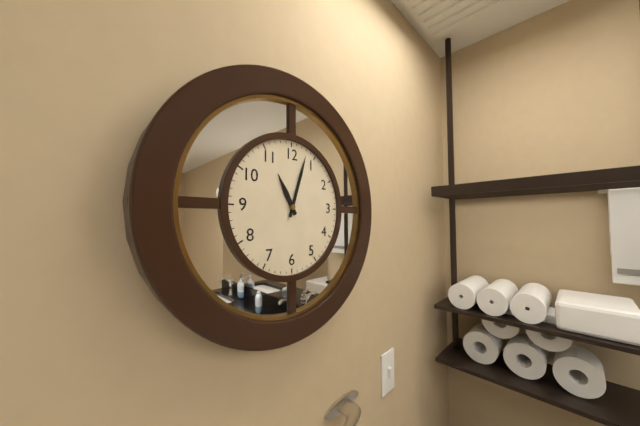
11:03
